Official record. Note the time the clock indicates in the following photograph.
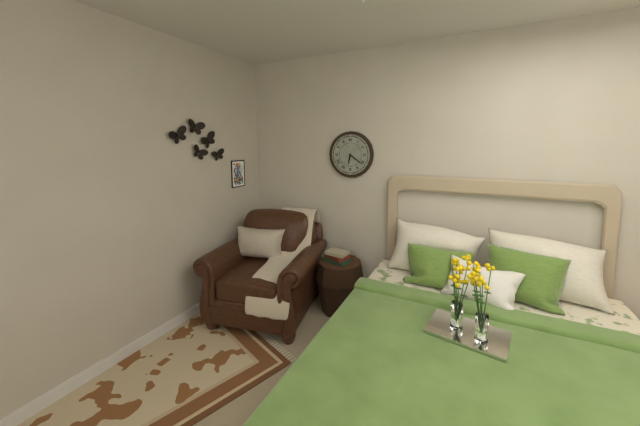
6:21
